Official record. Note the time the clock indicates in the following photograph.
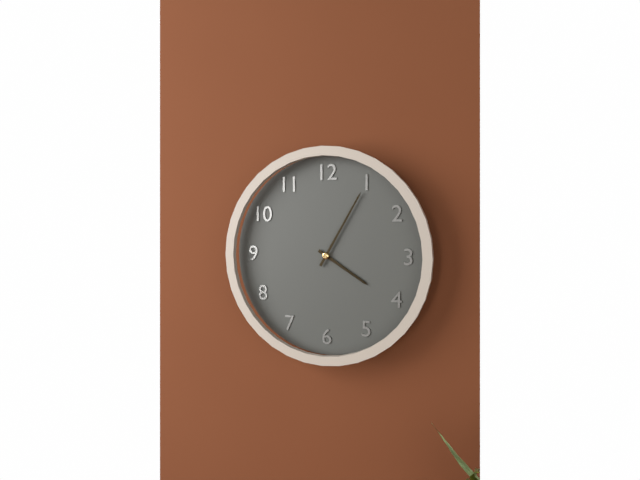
4:05
